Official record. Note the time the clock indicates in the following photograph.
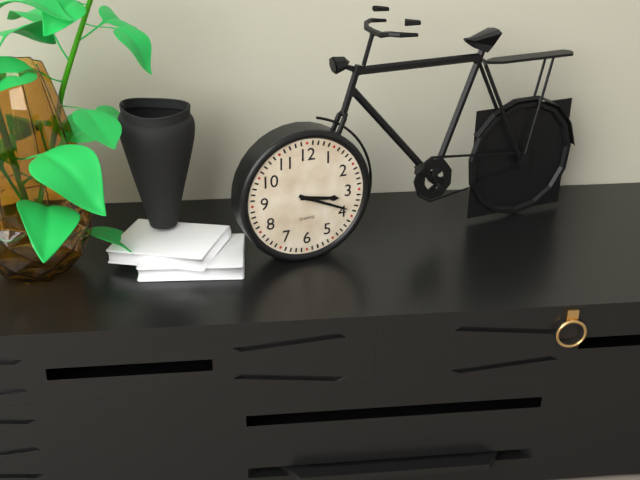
3:19
